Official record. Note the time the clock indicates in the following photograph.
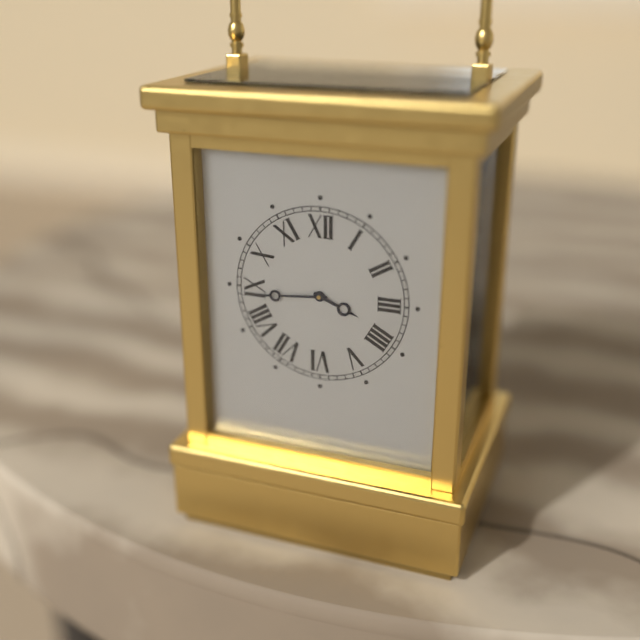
3:44
